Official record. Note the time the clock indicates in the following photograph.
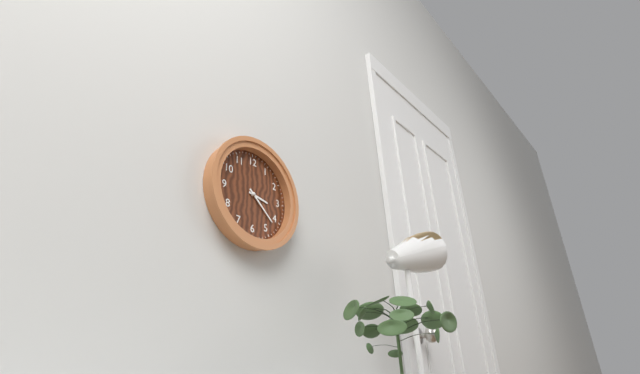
3:22
